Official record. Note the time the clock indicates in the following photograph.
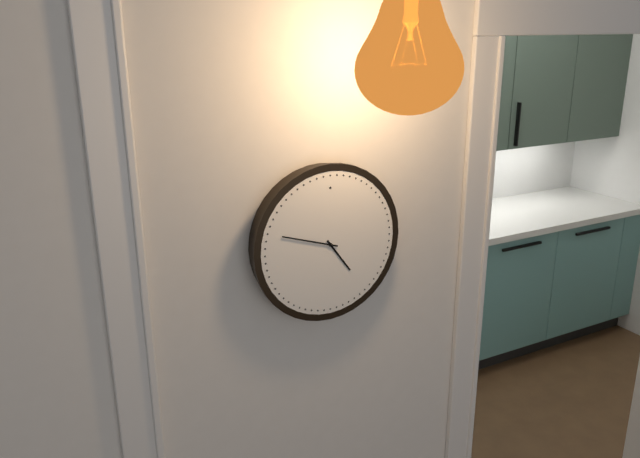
4:48
